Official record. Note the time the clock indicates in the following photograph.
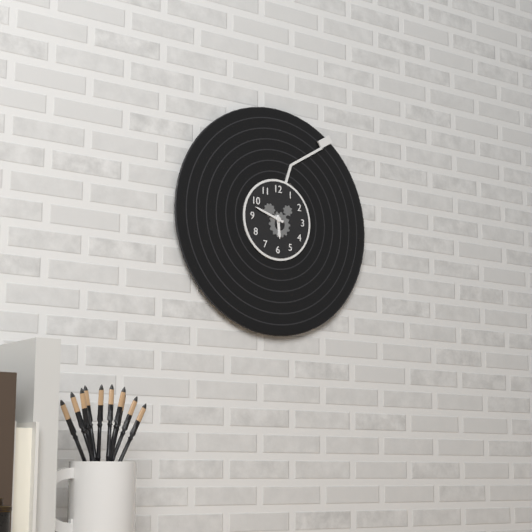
5:48
